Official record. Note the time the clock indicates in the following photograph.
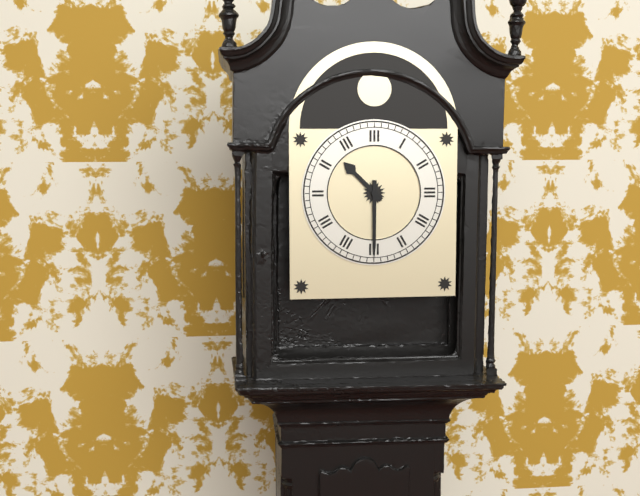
10:30
